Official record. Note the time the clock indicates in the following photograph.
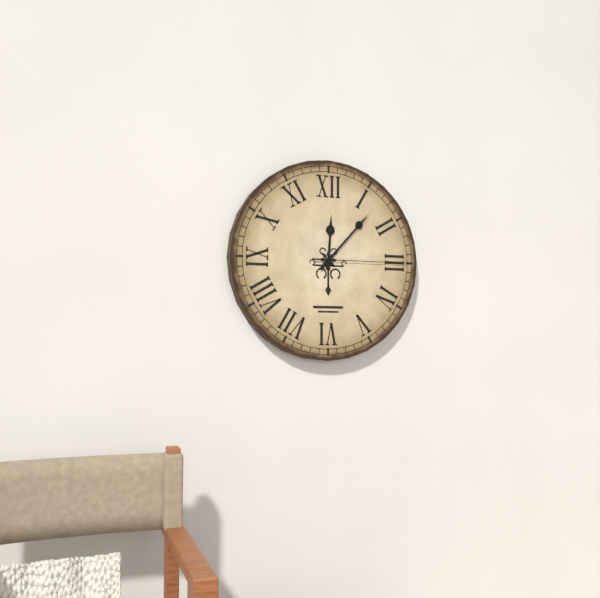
12:07:15
